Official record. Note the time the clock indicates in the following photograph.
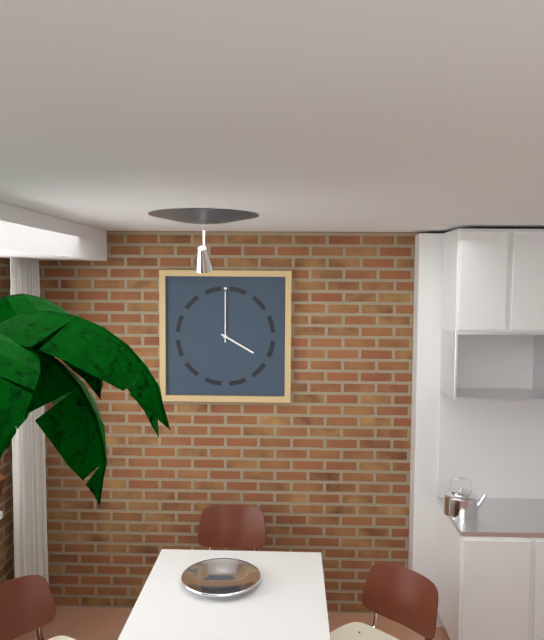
4:00
